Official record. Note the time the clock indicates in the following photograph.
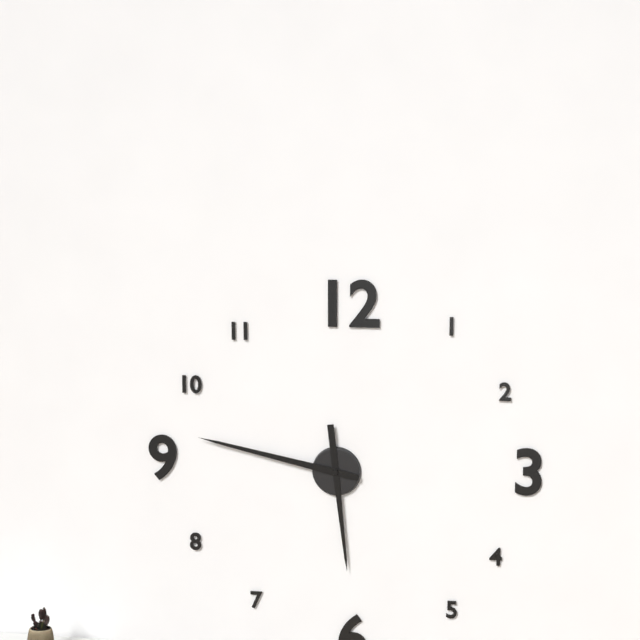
5:47
